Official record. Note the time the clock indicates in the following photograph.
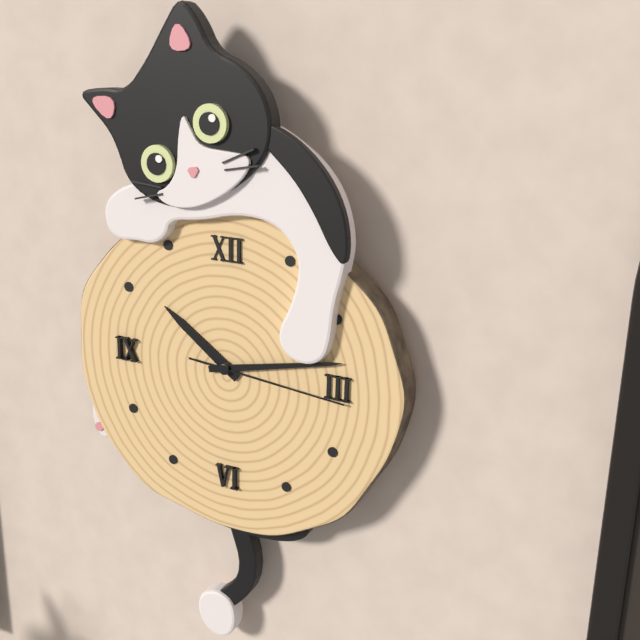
10:13:16
